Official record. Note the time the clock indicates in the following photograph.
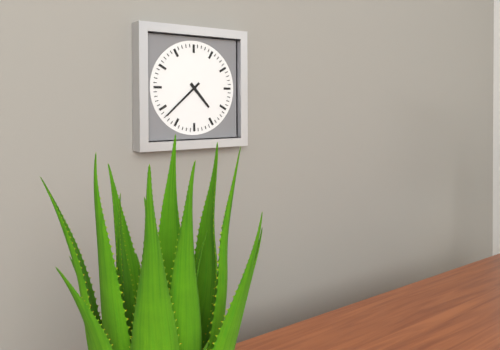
4:38
